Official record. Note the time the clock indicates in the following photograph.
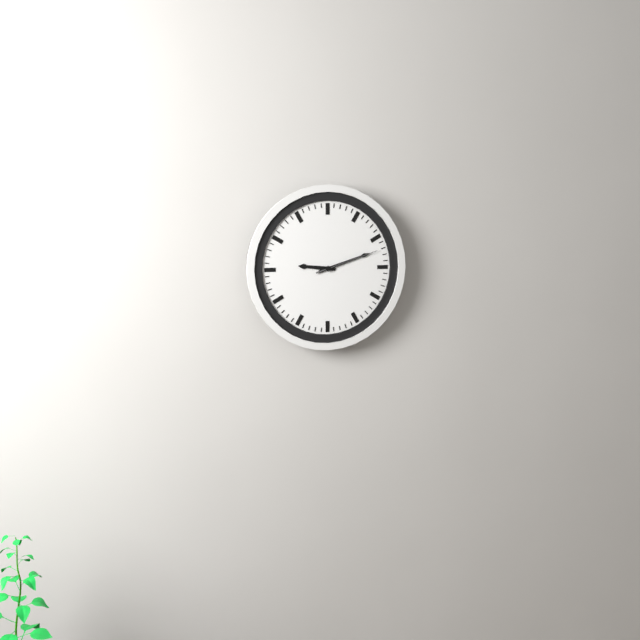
9:12:12
